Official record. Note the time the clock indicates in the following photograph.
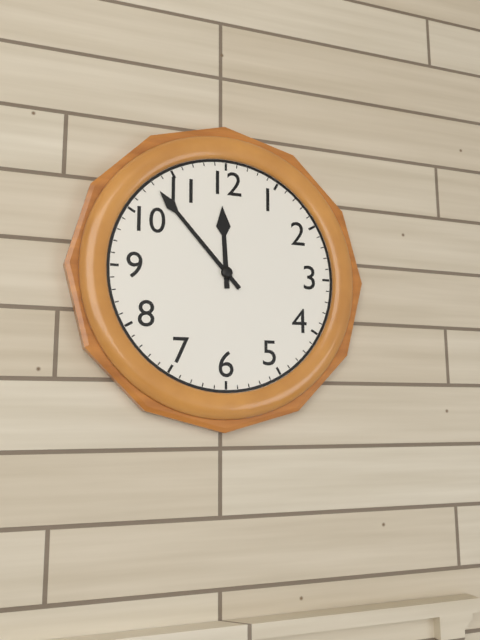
11:53
